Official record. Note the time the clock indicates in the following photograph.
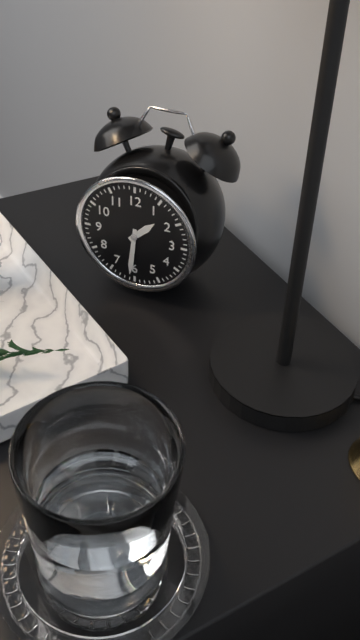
1:31
